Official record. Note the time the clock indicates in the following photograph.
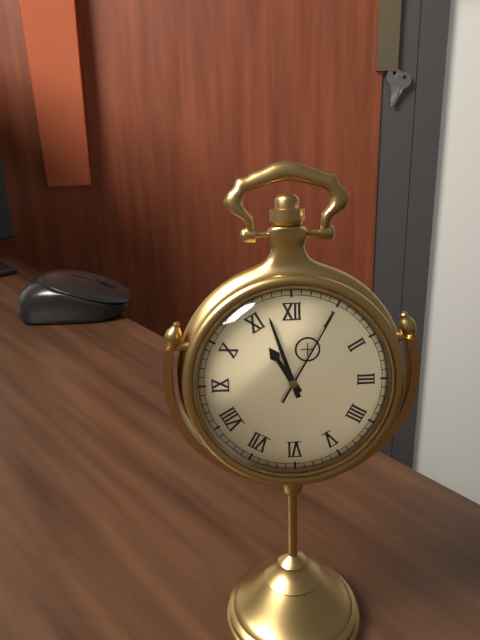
10:57:05
